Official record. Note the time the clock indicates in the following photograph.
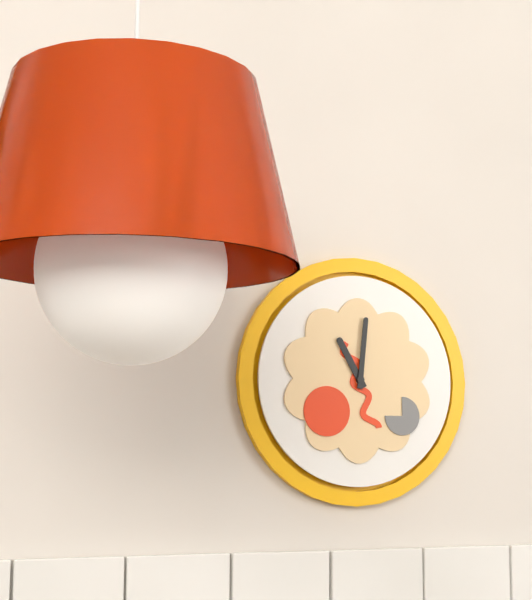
11:01
